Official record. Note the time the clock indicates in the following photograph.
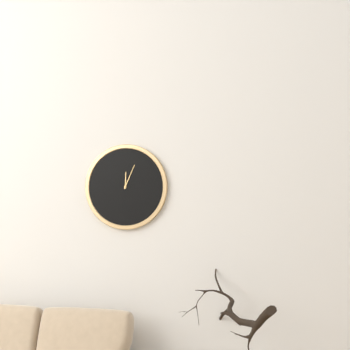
12:04
